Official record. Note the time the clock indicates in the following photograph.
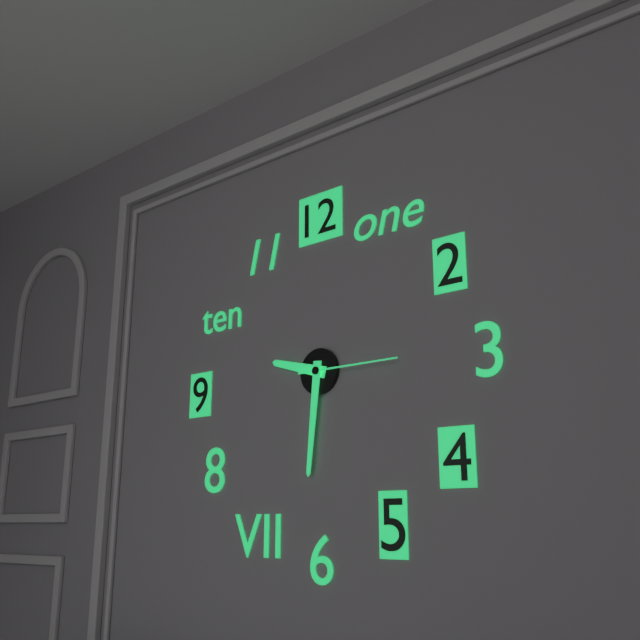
9:31:15
